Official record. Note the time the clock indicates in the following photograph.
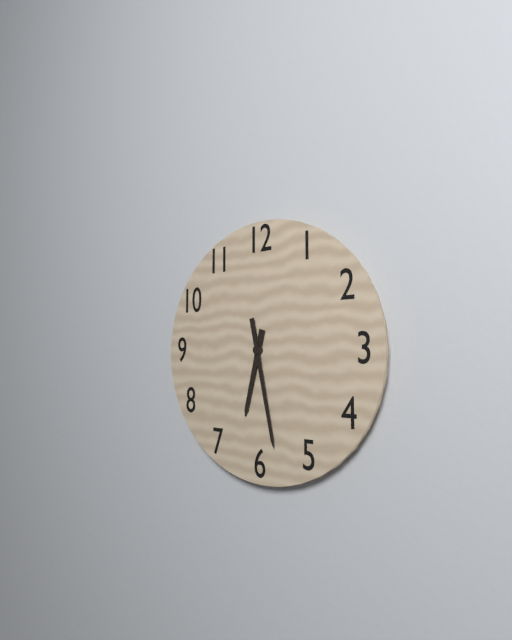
6:28
